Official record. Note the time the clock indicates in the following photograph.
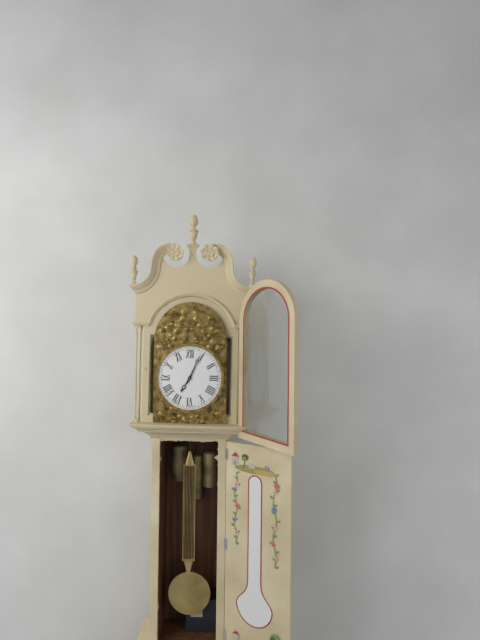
7:04
